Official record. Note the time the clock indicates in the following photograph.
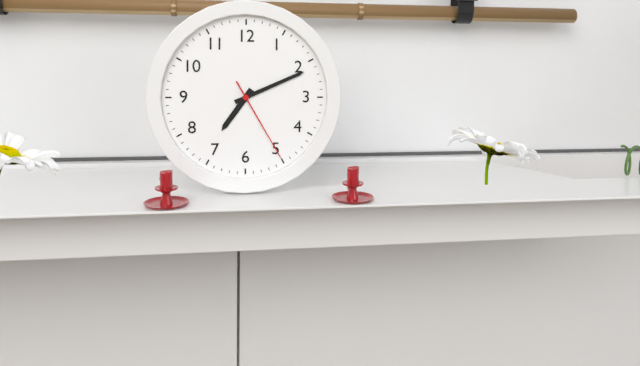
7:11:25
